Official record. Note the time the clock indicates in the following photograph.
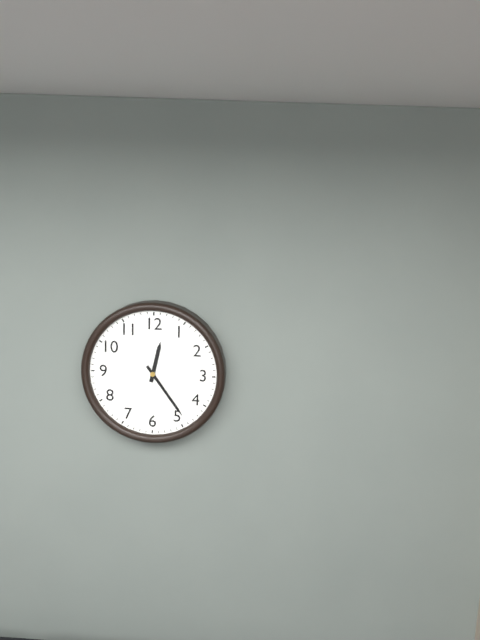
12:24
